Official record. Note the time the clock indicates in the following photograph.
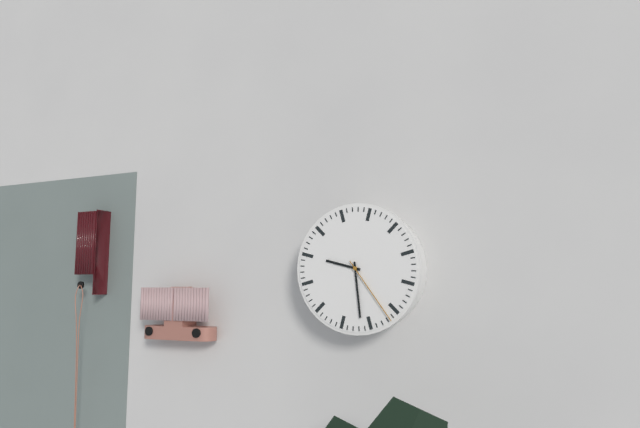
9:29:24
